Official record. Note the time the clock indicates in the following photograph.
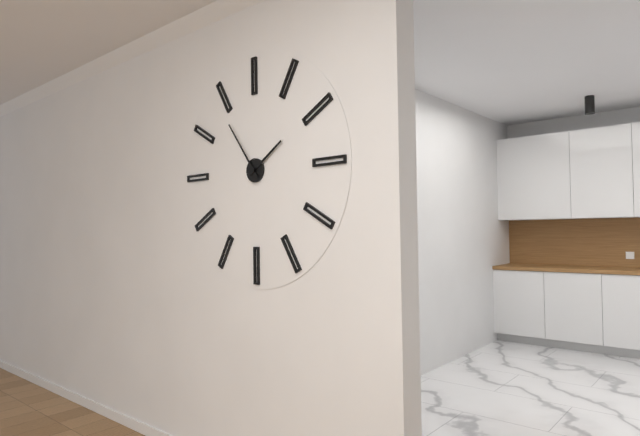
1:54
